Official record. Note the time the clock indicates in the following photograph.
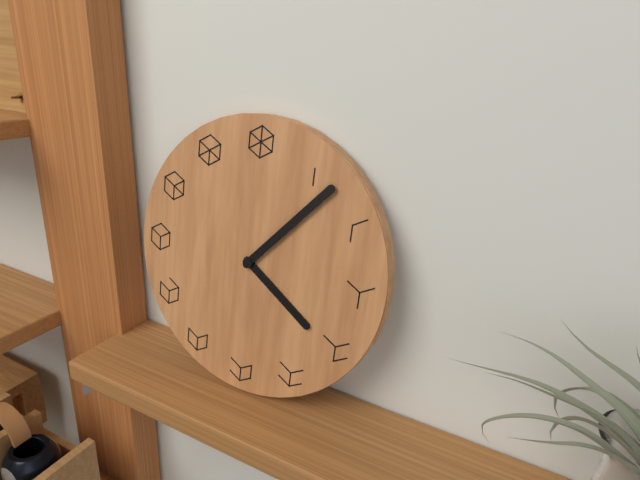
4:07
